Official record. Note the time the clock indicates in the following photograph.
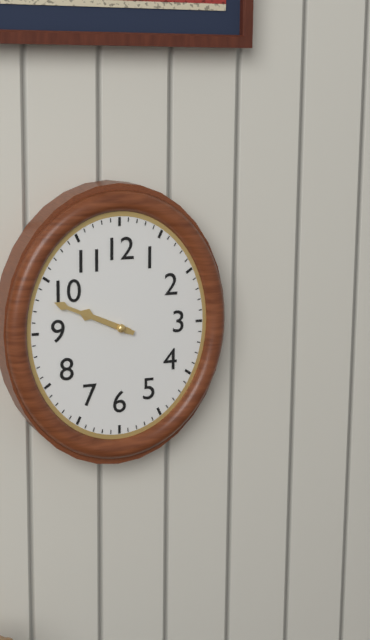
9:49
